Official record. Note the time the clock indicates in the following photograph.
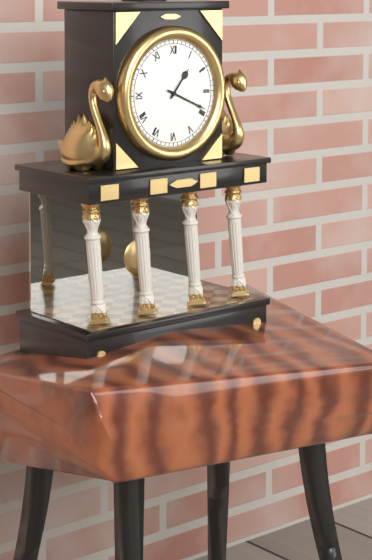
1:19
